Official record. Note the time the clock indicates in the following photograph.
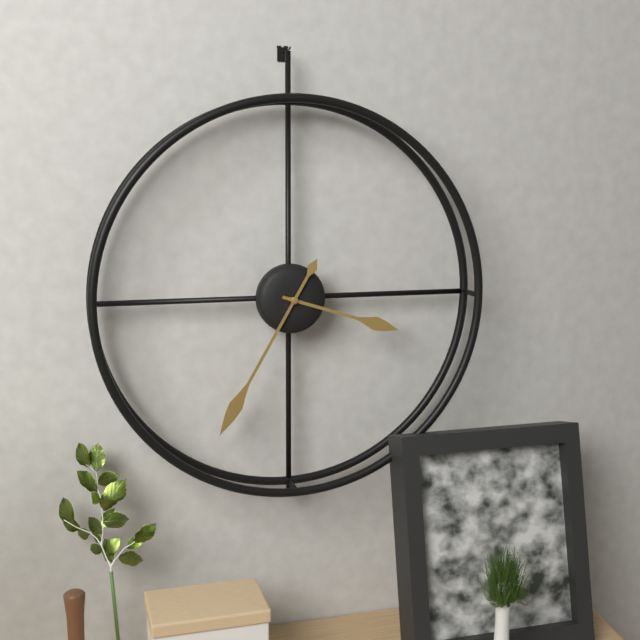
3:35
